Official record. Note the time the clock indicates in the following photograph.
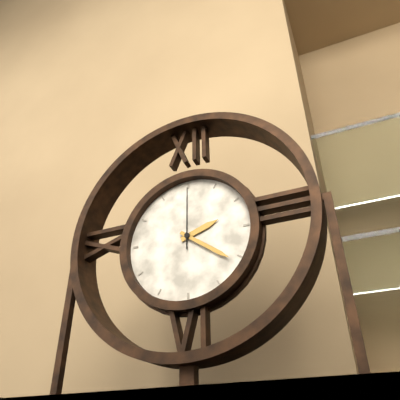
2:21:00
